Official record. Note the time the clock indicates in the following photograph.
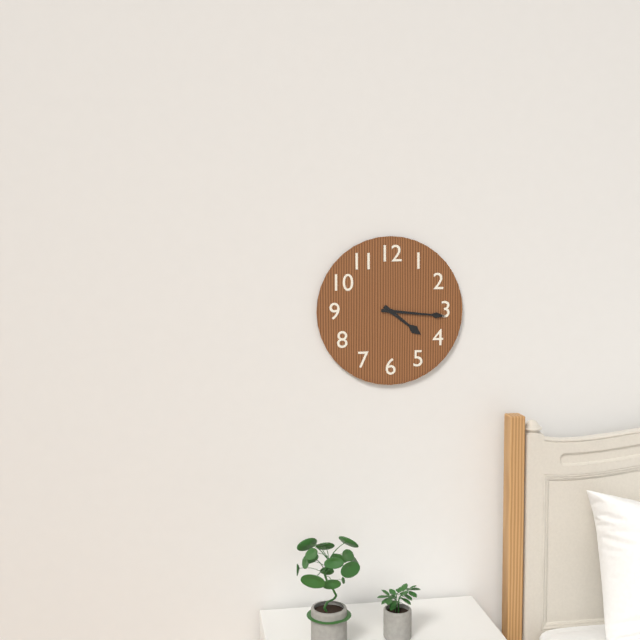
4:16
